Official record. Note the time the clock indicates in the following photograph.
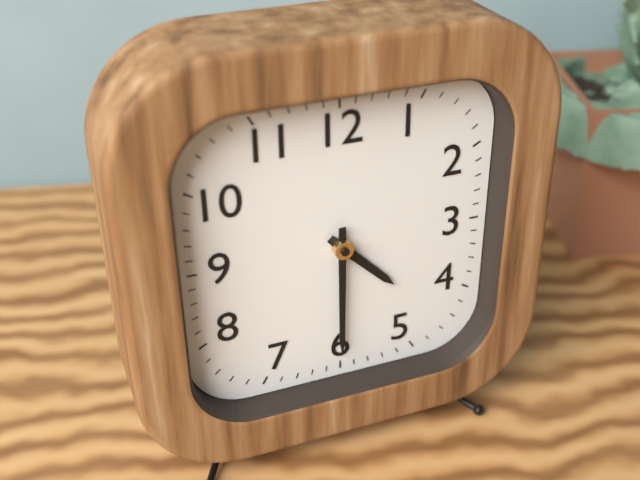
4:30
